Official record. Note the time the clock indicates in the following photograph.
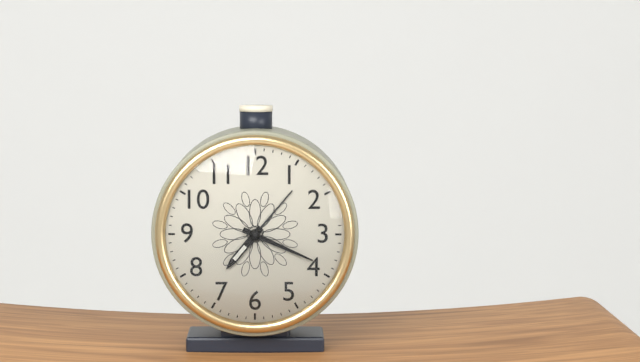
7:19
